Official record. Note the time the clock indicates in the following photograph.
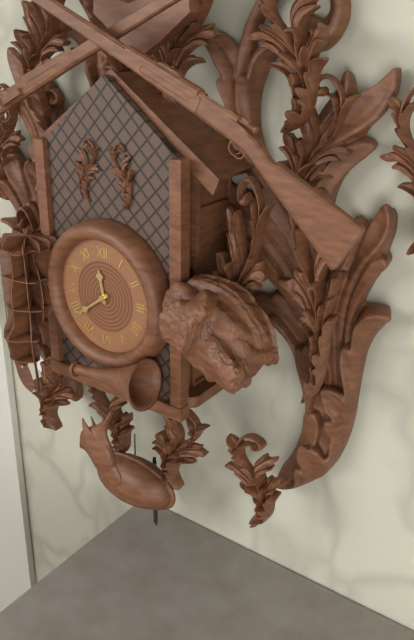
11:39
